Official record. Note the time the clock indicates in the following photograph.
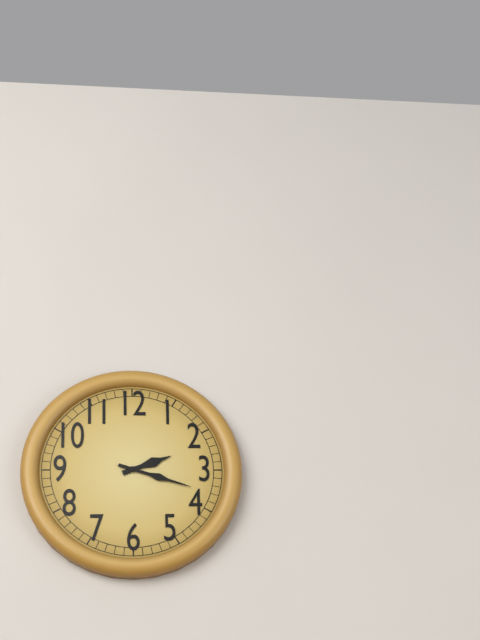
2:18
